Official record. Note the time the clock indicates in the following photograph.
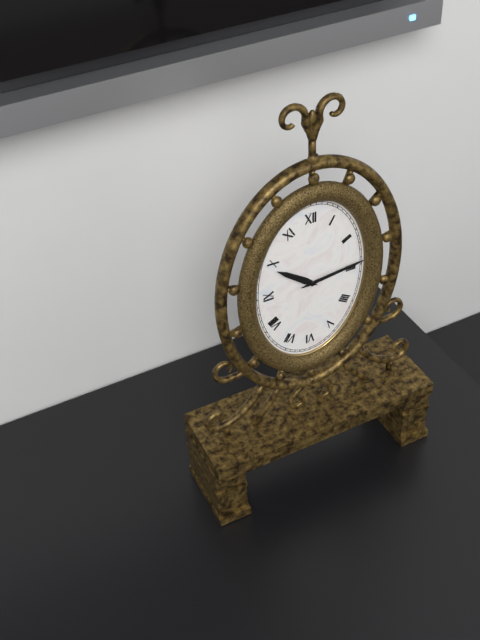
10:14
